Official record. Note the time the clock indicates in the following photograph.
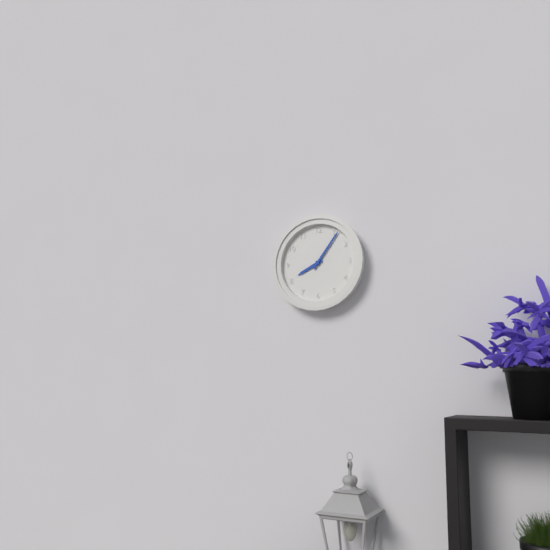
8:06
